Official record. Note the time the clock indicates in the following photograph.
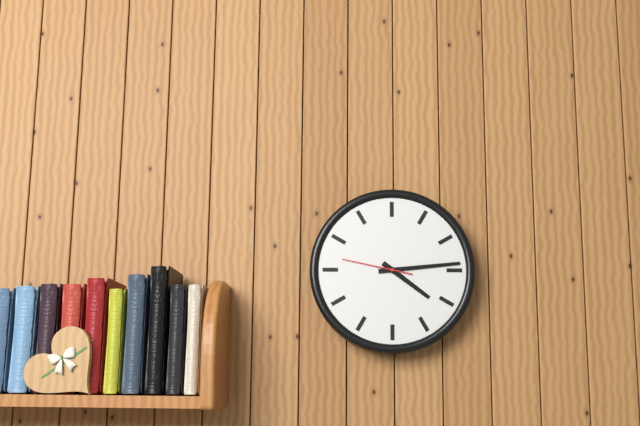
4:14:47
